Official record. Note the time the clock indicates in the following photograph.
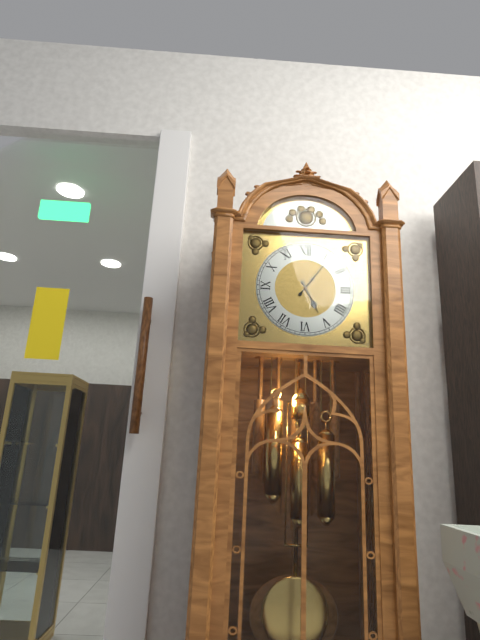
5:06
